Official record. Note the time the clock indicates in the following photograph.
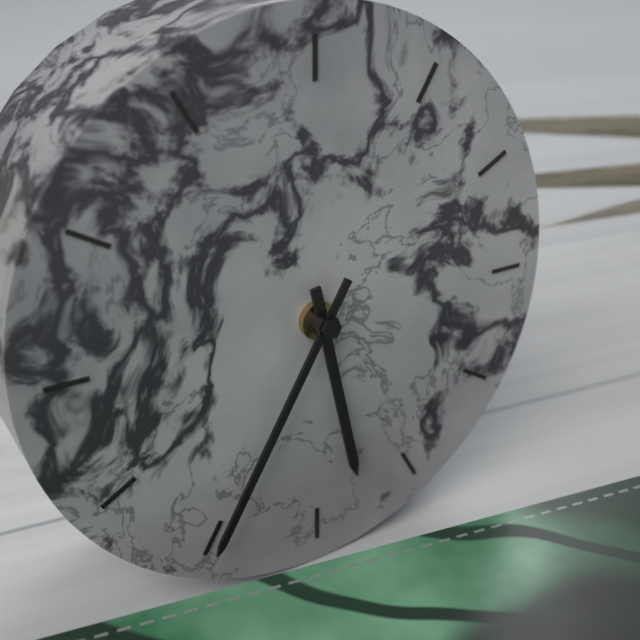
5:35
